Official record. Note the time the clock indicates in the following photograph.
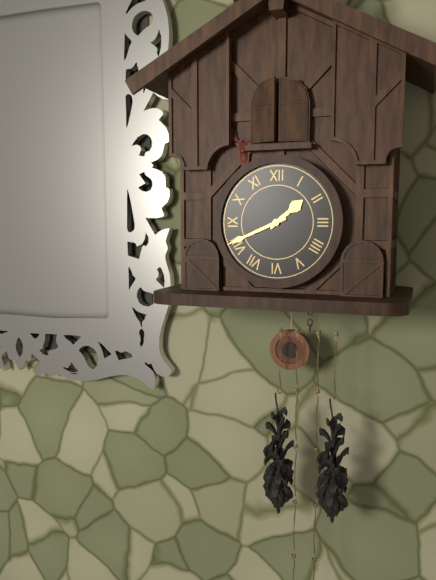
1:41
